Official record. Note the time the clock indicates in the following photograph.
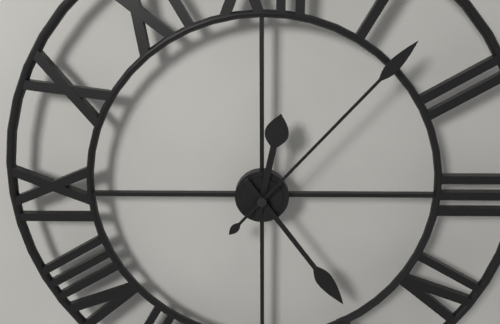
12:24:07
